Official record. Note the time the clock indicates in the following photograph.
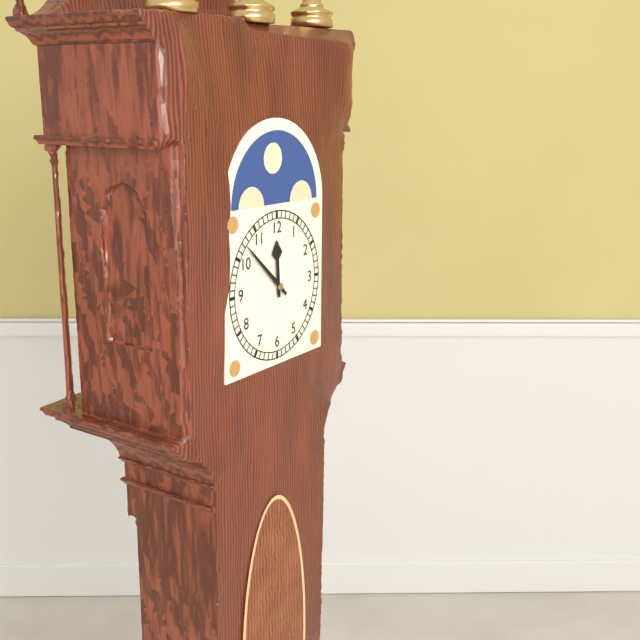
11:52
